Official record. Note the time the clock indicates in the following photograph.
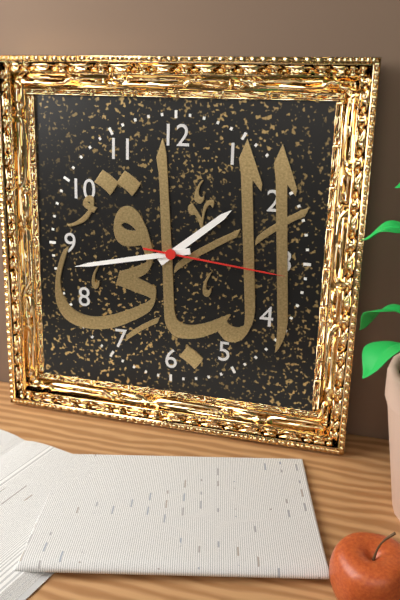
1:43:16
